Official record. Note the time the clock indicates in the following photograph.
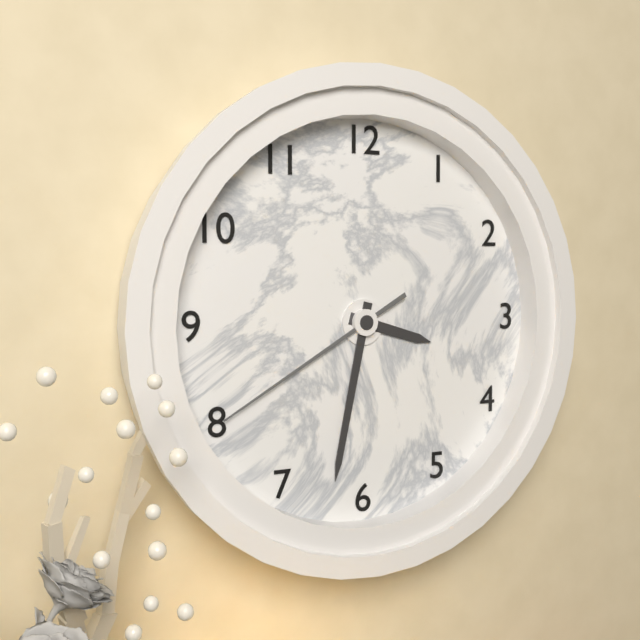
3:32:40
